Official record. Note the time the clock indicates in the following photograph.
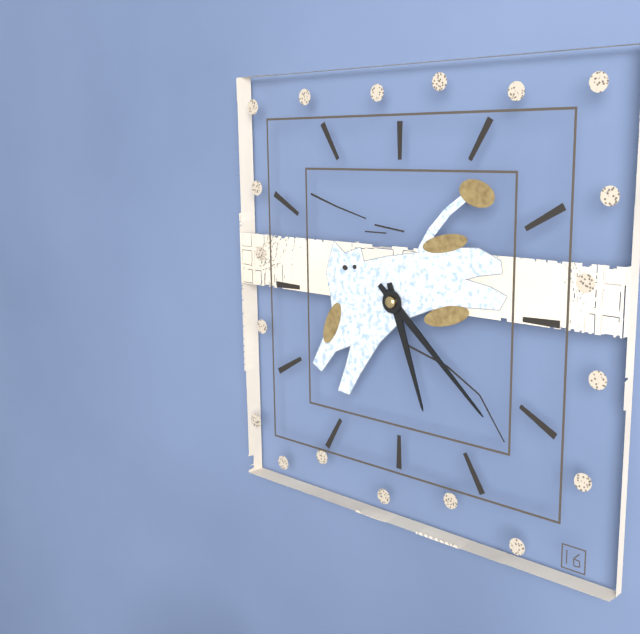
5:22
